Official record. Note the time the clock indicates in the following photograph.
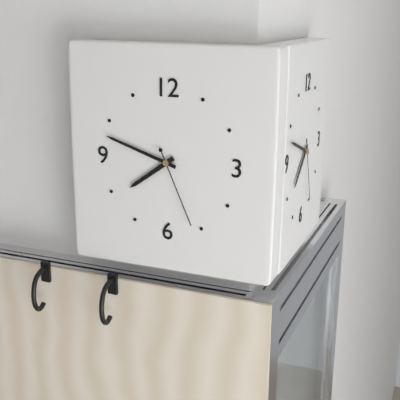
7:48:26
